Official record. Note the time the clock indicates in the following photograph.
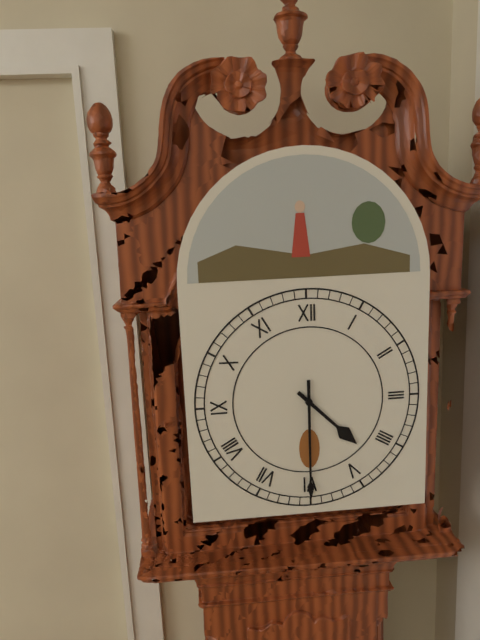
4:30
